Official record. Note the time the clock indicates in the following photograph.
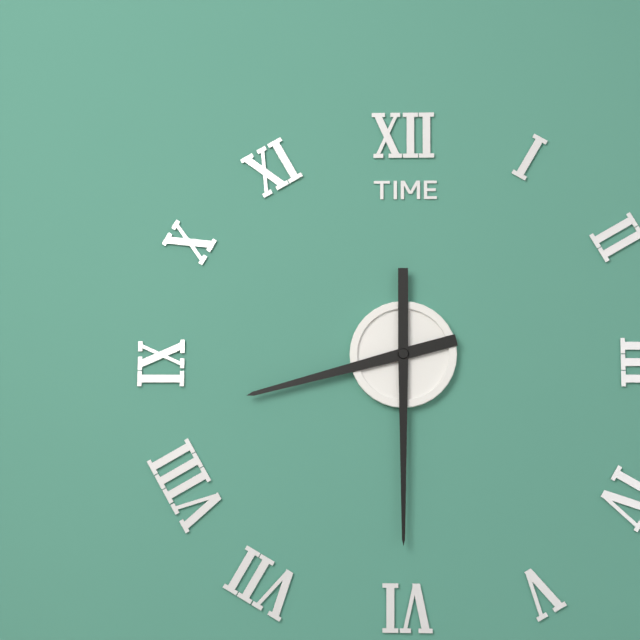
8:30
